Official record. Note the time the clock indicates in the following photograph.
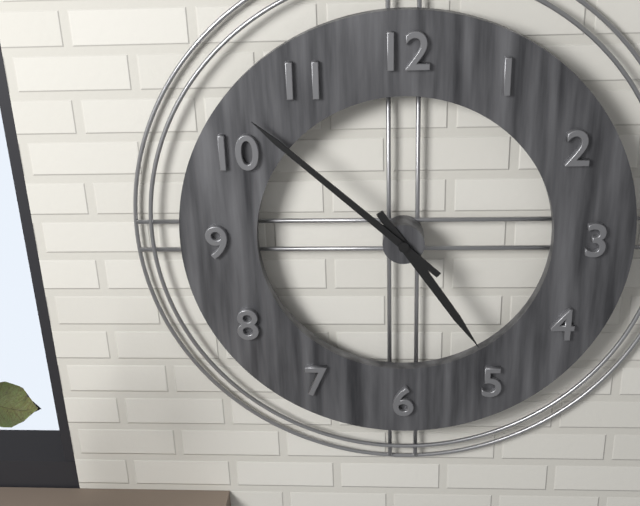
4:52
